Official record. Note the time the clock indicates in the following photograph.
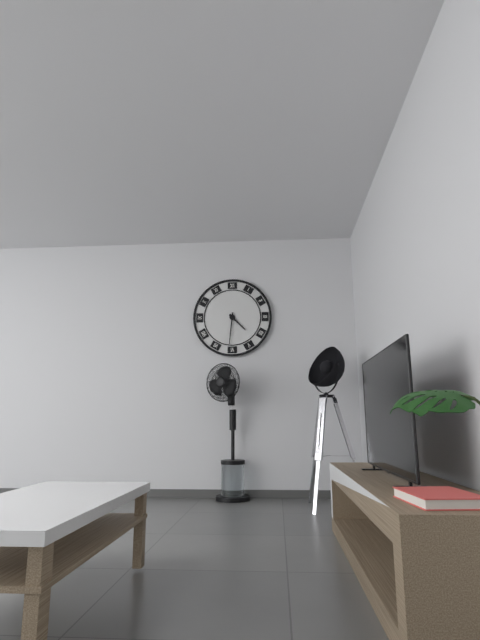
4:31
